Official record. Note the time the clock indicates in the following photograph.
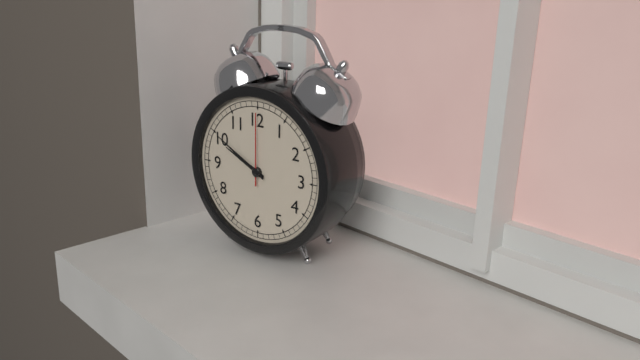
9:50:00
